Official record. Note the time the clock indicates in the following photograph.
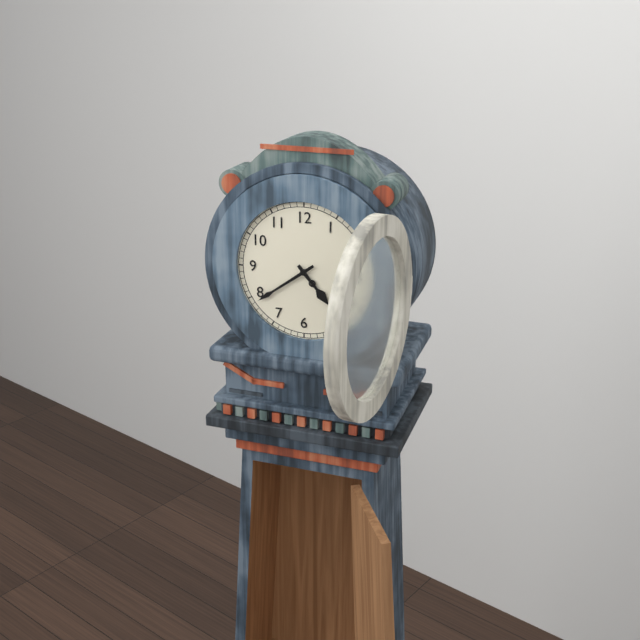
4:39
